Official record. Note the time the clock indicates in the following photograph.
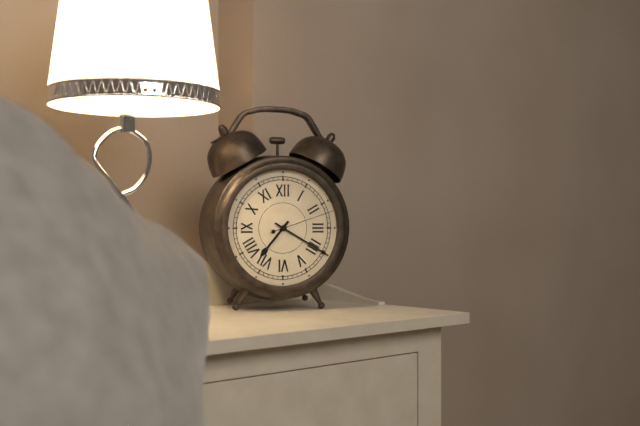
7:20:12
